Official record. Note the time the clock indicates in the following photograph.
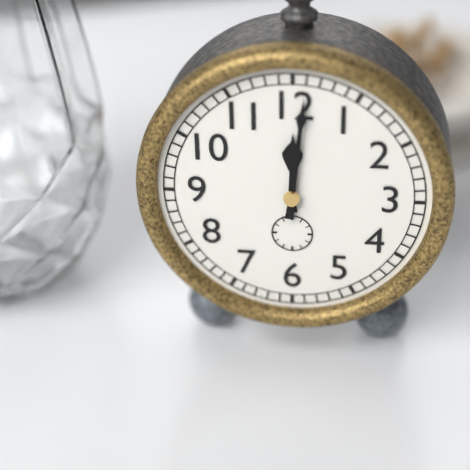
12:01
